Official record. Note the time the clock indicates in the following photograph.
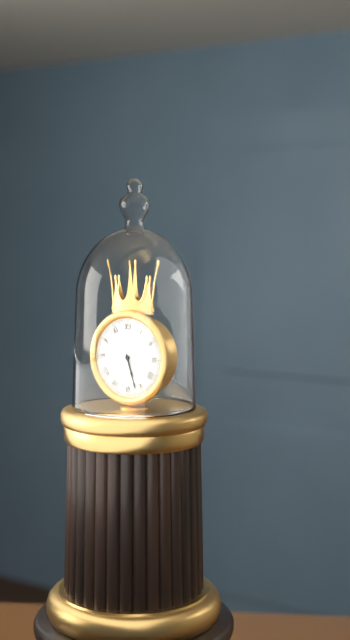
5:27
